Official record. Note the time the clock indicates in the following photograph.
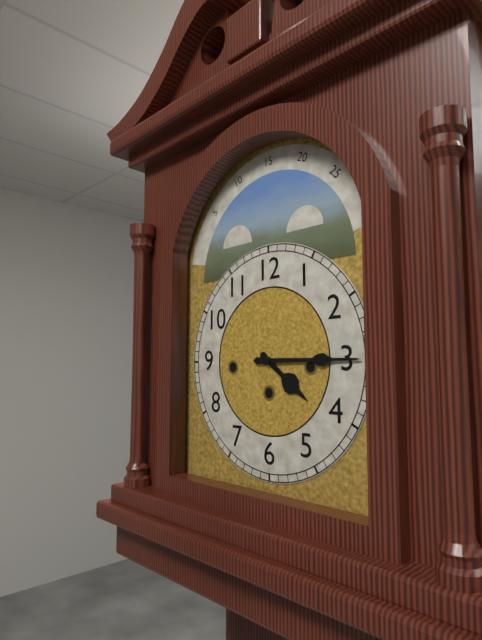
4:15
